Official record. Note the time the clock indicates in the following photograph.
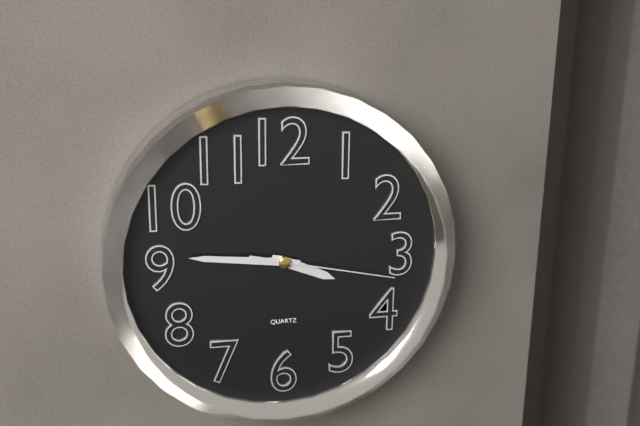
3:46:17
